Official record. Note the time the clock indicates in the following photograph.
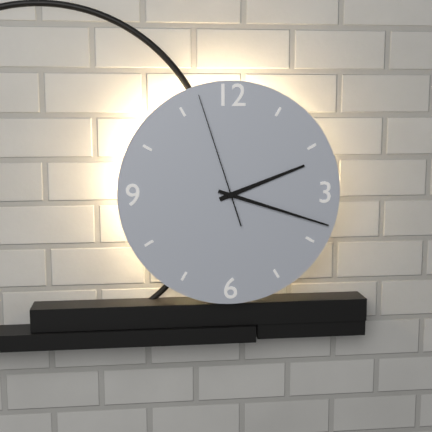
2:18:57
